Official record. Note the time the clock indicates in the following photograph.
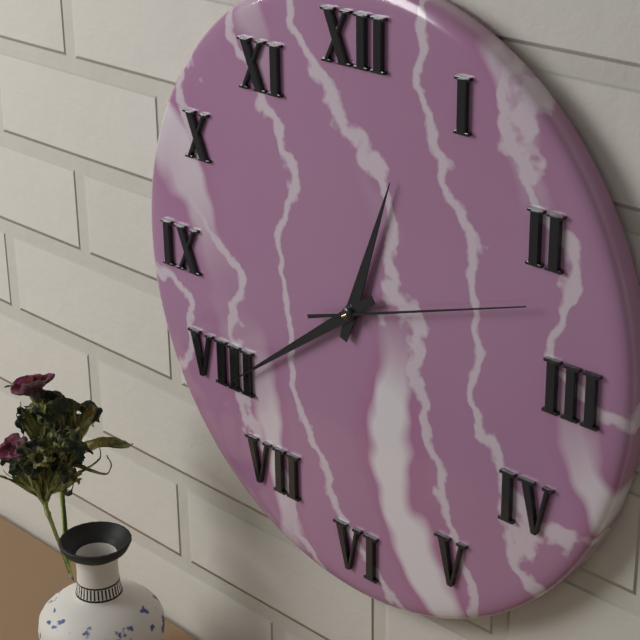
12:39:12
